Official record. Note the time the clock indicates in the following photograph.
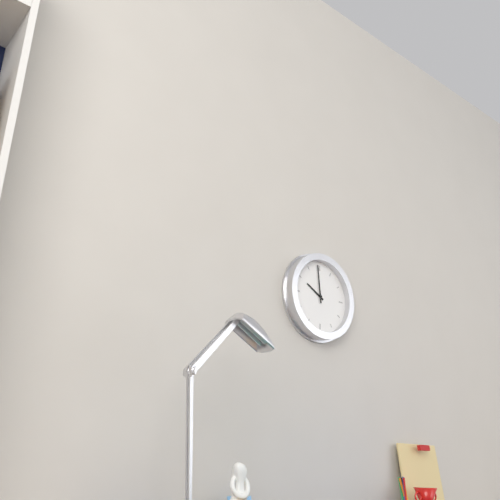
9:59
